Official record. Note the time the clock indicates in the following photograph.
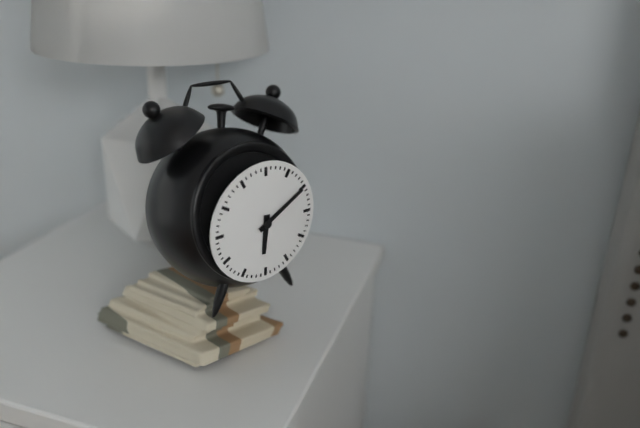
6:10
